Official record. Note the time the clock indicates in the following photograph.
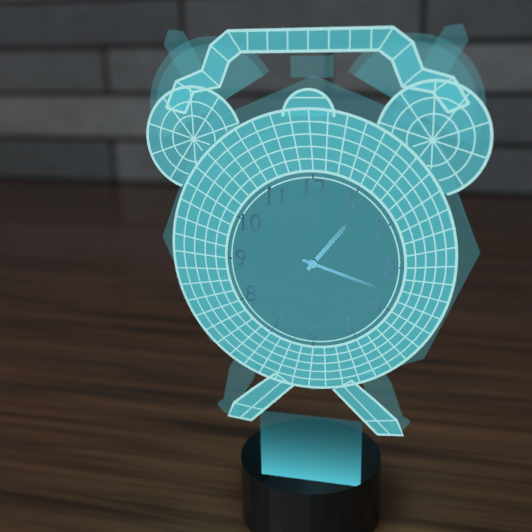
1:18
